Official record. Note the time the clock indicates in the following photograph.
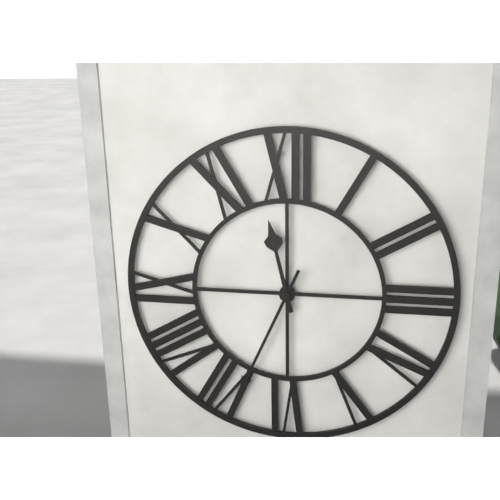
11:34
